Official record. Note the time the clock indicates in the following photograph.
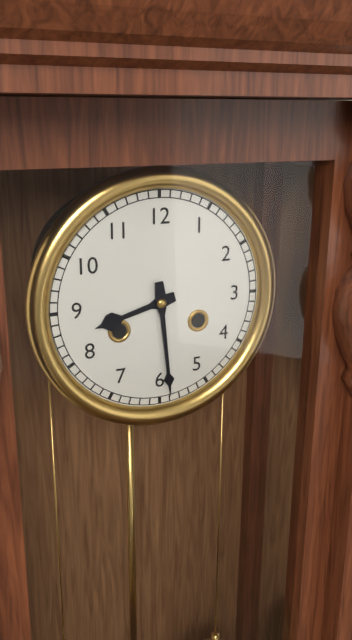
8:29
